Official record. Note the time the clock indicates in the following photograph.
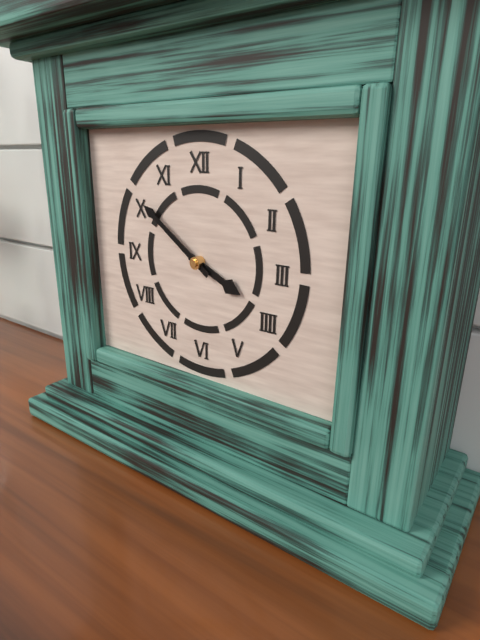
3:51
